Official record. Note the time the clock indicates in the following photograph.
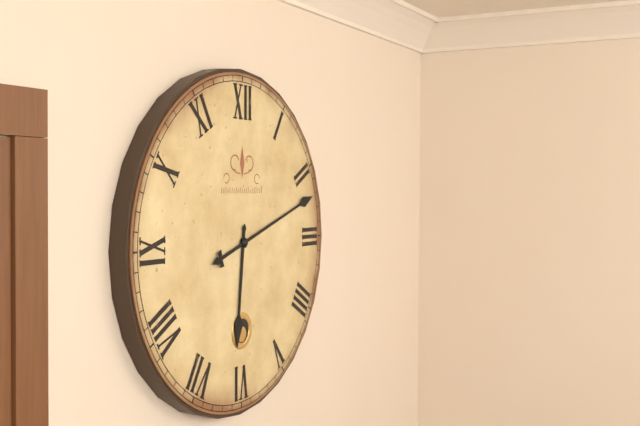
6:12
